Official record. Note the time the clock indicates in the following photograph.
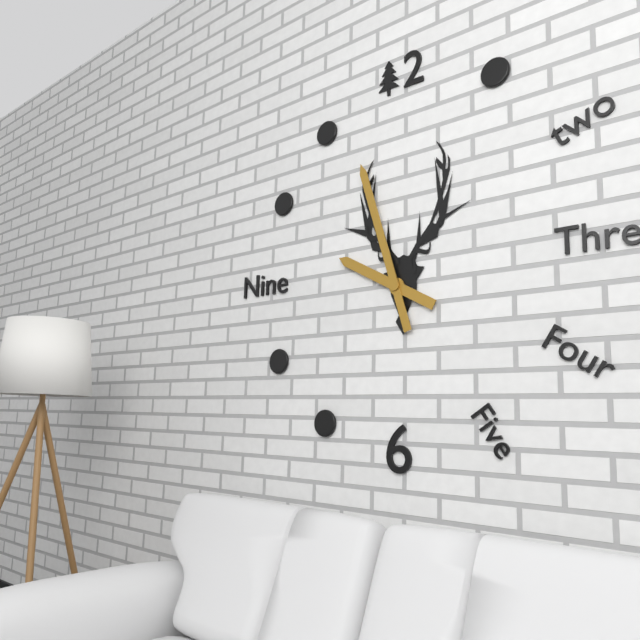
9:57
